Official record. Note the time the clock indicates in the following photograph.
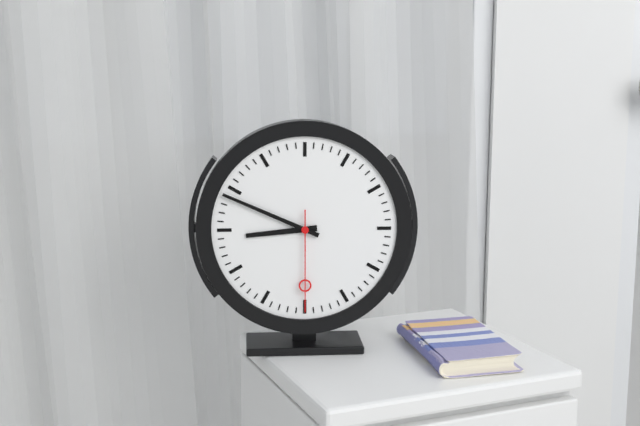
8:49:30
